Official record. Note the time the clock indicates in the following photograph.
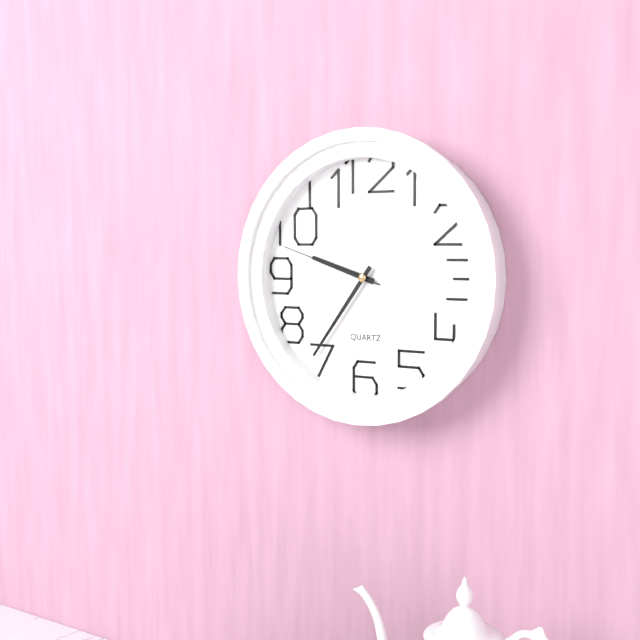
9:36:48
